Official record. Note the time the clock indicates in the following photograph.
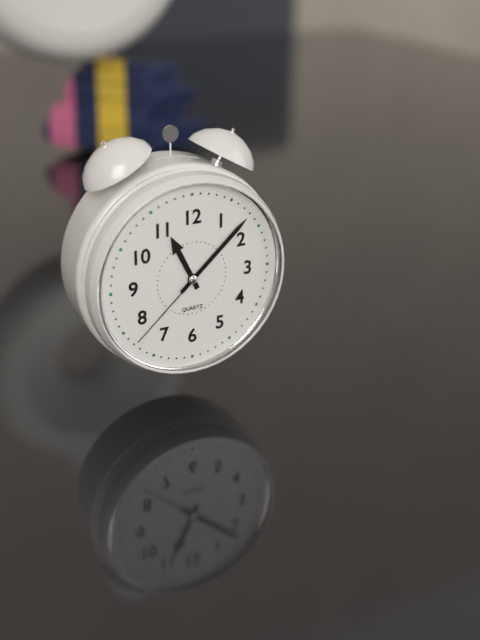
11:08:38
